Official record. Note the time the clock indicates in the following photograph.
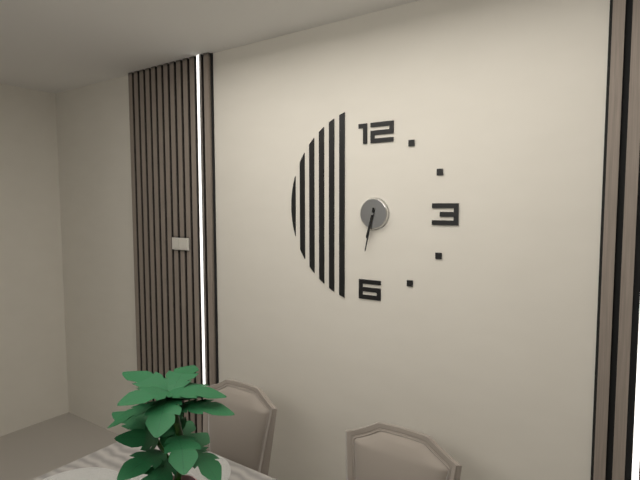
6:32
